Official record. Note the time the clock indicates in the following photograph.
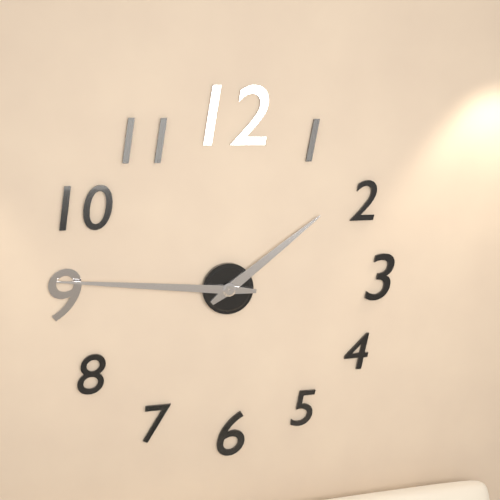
1:46
